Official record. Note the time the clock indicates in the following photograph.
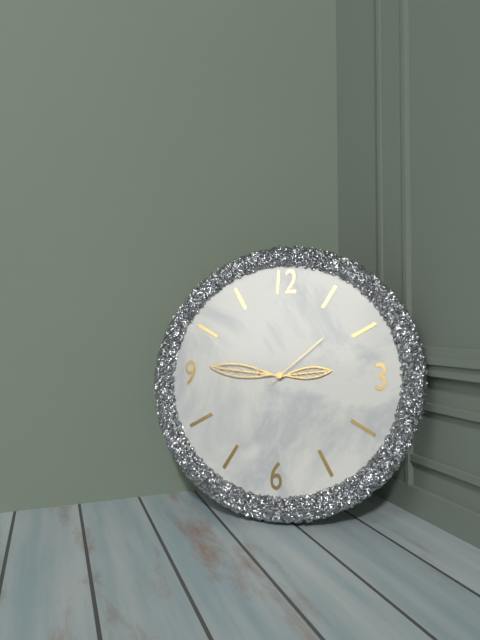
2:46:08
